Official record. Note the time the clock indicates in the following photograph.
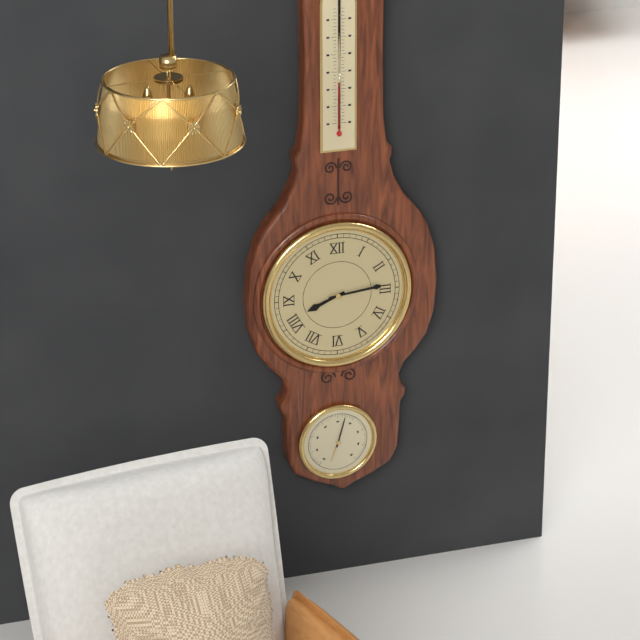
8:14
